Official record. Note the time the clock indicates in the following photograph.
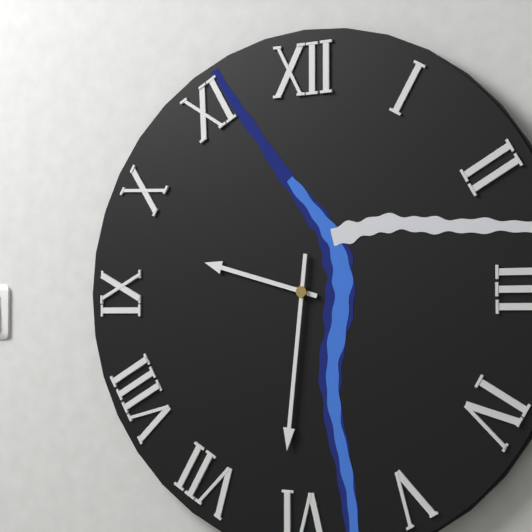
9:31
